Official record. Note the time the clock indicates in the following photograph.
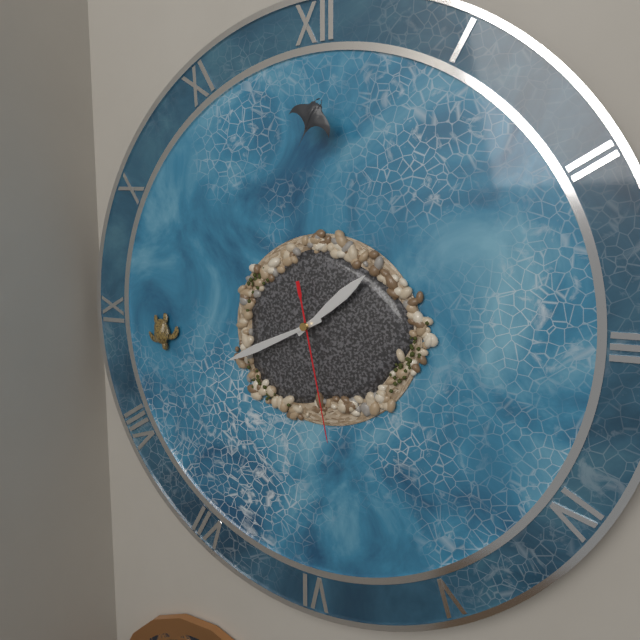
1:41:28
